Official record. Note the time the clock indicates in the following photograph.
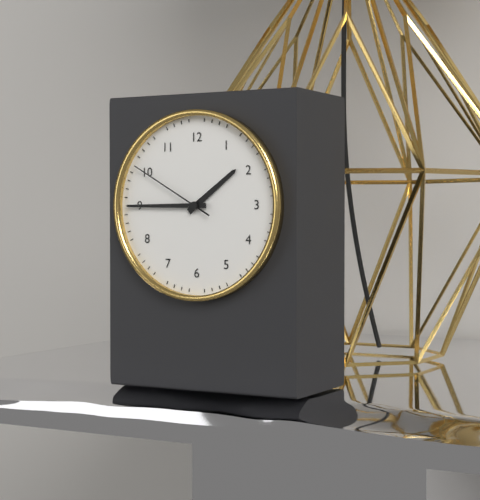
1:45:50
